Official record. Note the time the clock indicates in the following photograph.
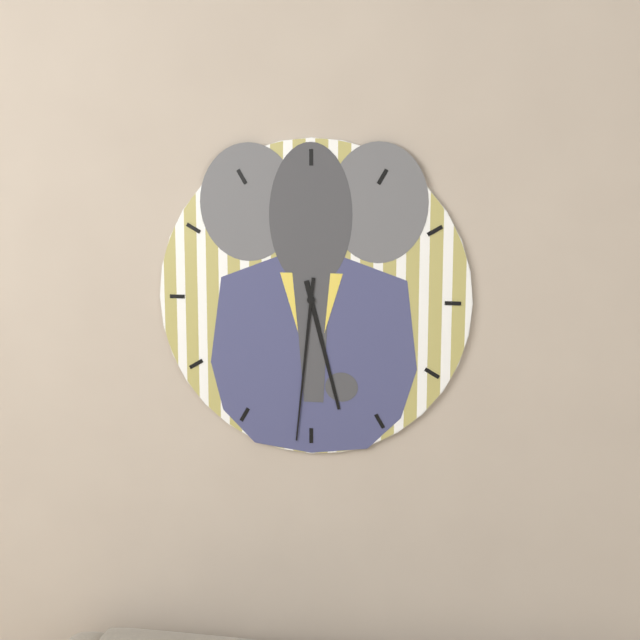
5:31
